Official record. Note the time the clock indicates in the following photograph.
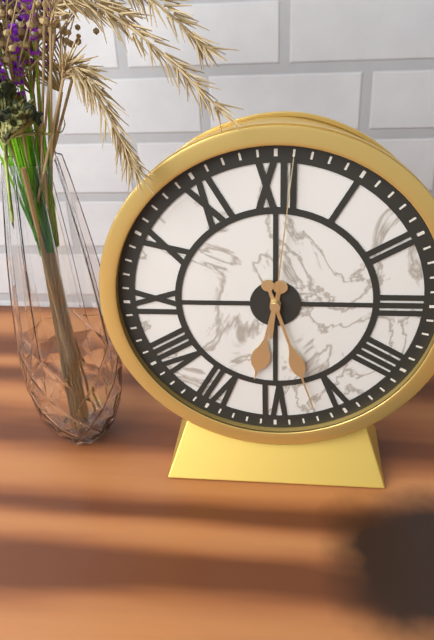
6:27:01
